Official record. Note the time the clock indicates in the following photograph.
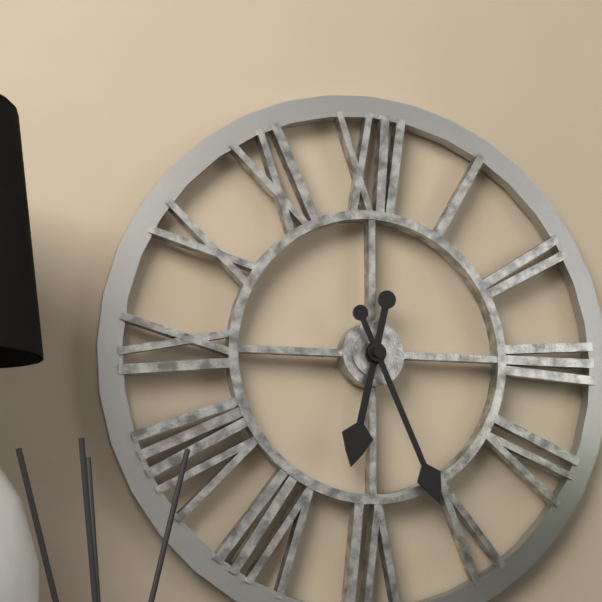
6:26
